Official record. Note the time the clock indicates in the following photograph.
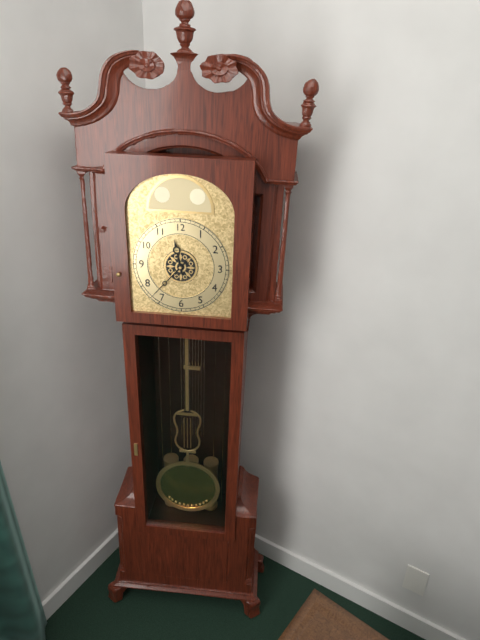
11:37
